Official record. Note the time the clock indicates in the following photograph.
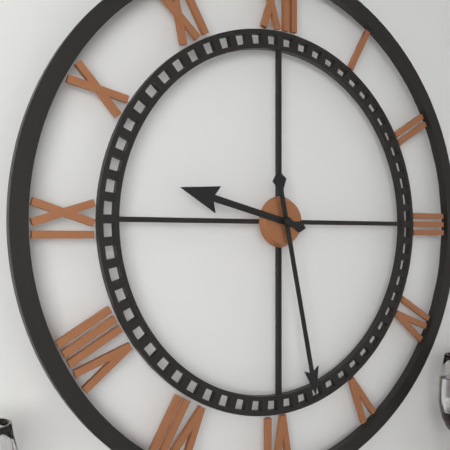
9:28
